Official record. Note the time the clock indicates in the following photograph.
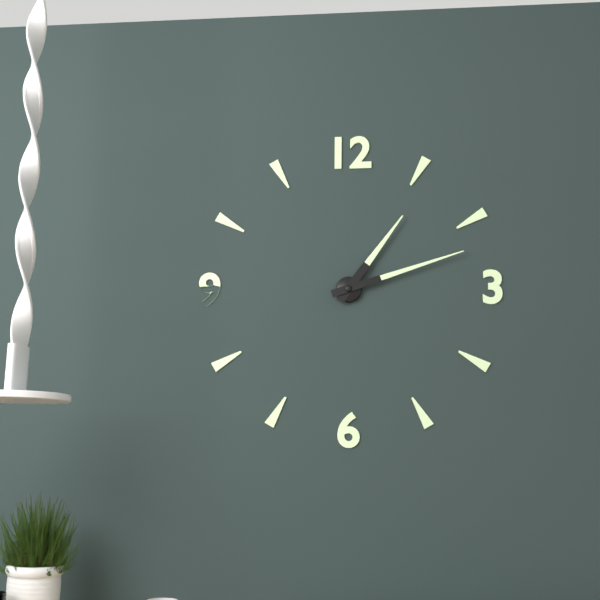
1:12
